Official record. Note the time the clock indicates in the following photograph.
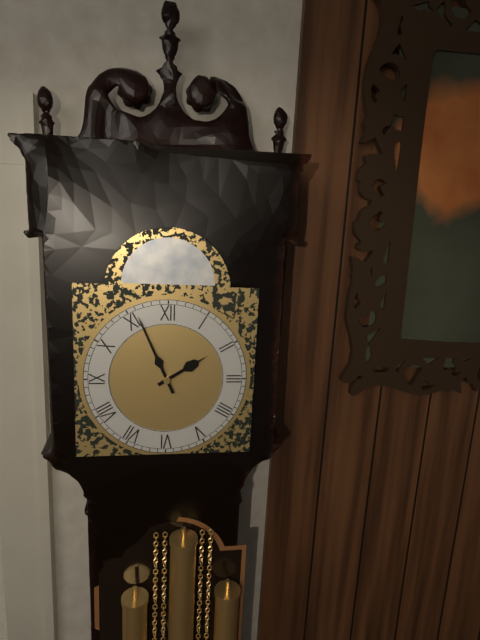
1:56
